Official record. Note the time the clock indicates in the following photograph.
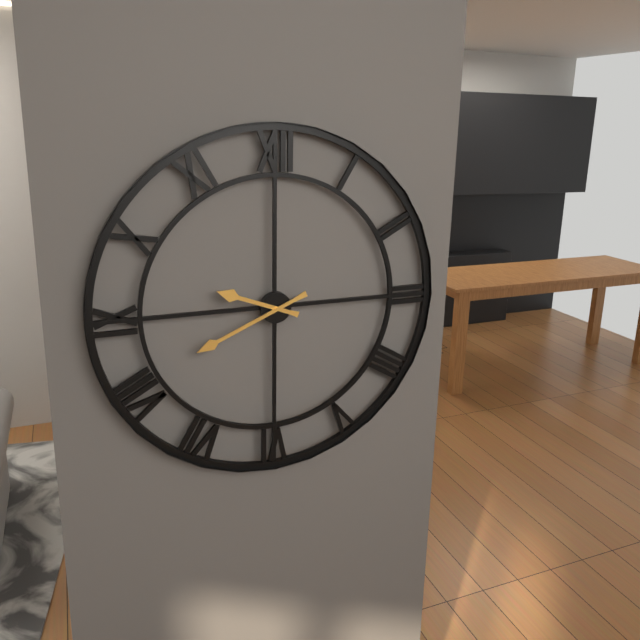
9:41
